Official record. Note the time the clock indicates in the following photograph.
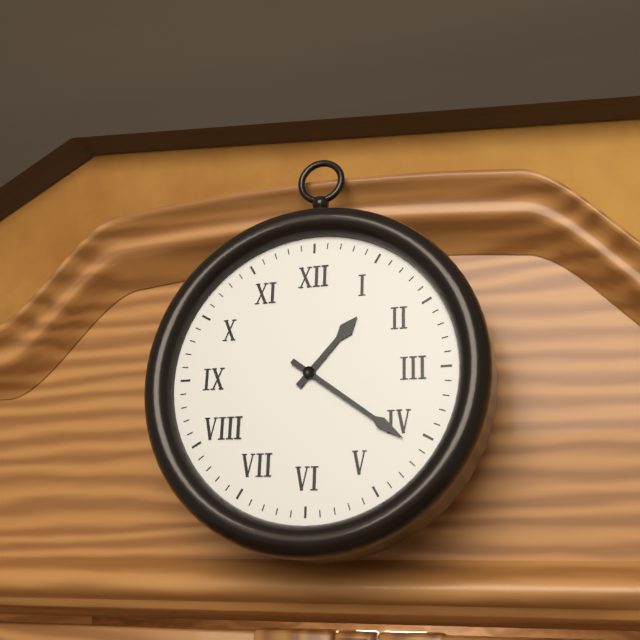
1:21
